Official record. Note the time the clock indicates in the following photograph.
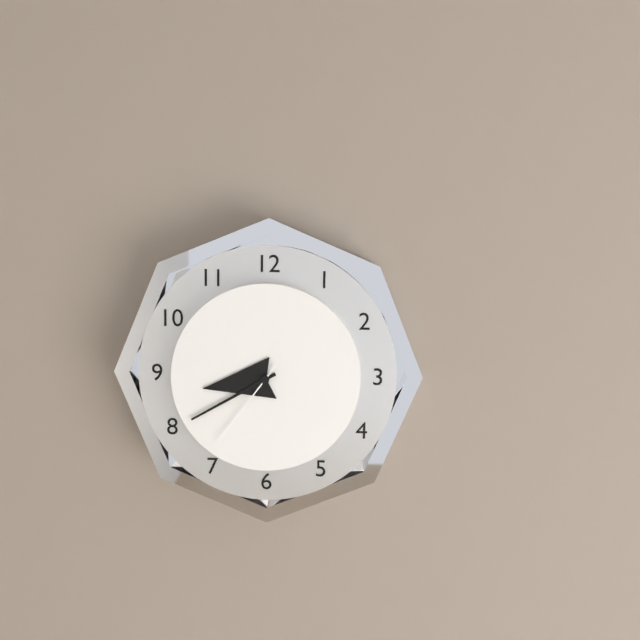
8:40:36
